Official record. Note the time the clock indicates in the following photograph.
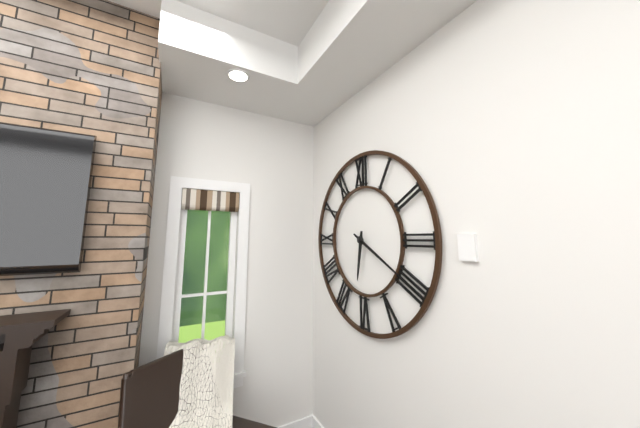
6:20
